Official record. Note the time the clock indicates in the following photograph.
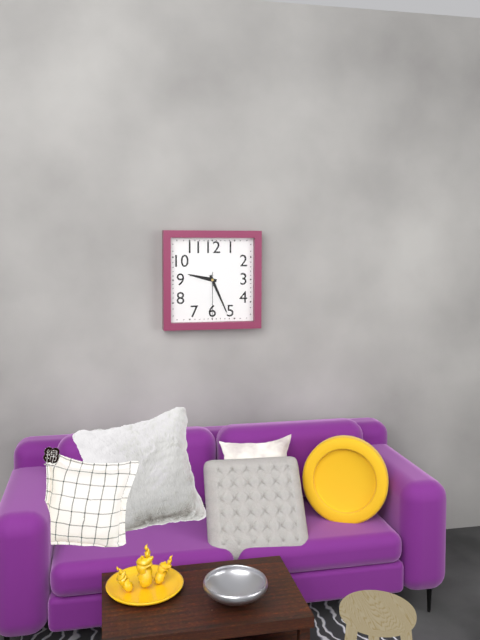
9:26
